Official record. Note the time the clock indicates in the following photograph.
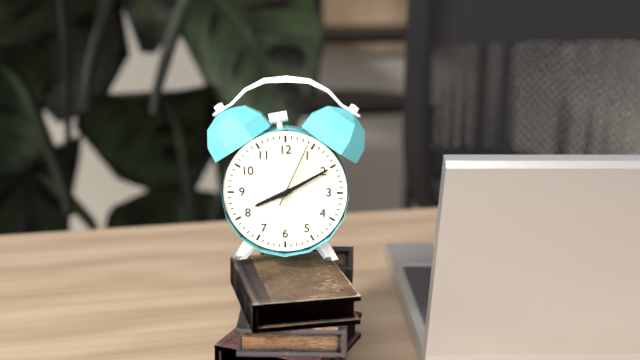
8:10:04
